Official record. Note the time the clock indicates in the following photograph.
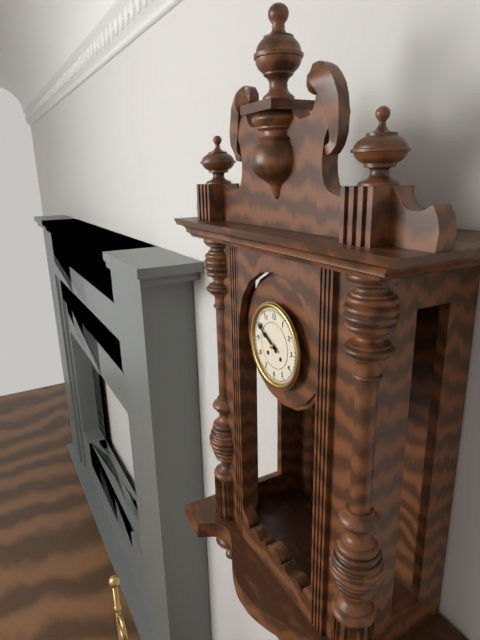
9:50
